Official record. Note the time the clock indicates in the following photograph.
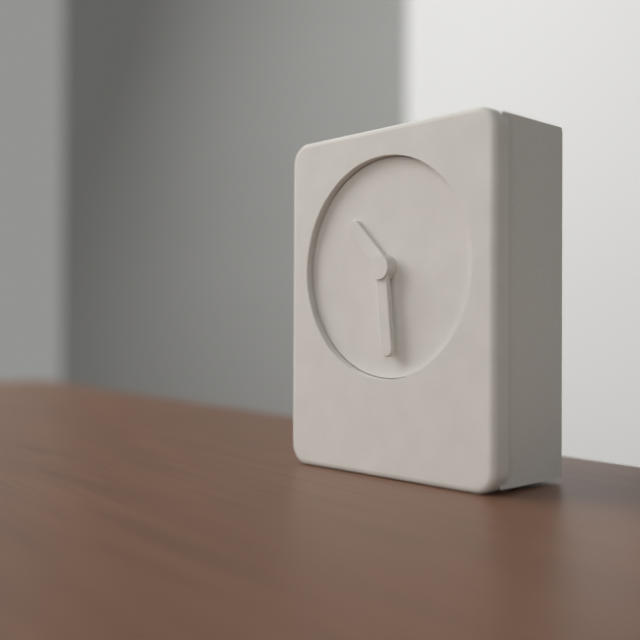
10:29
